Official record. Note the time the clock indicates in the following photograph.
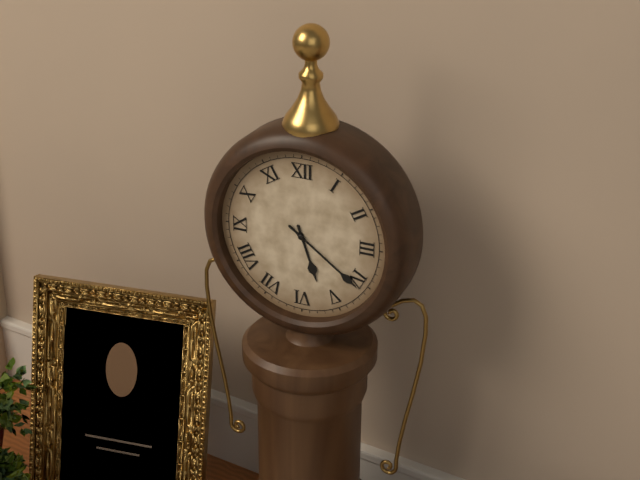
5:21
